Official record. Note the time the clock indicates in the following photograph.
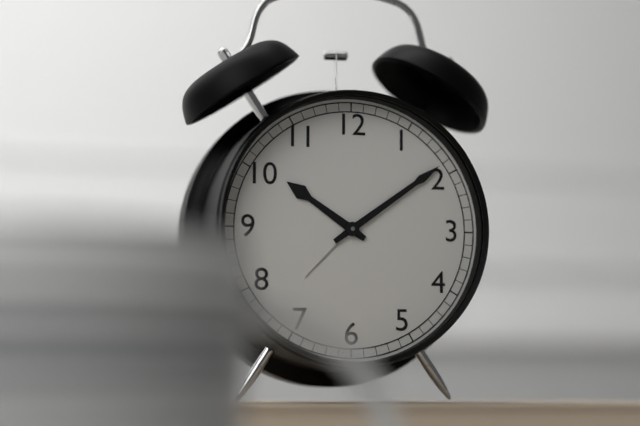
10:09
